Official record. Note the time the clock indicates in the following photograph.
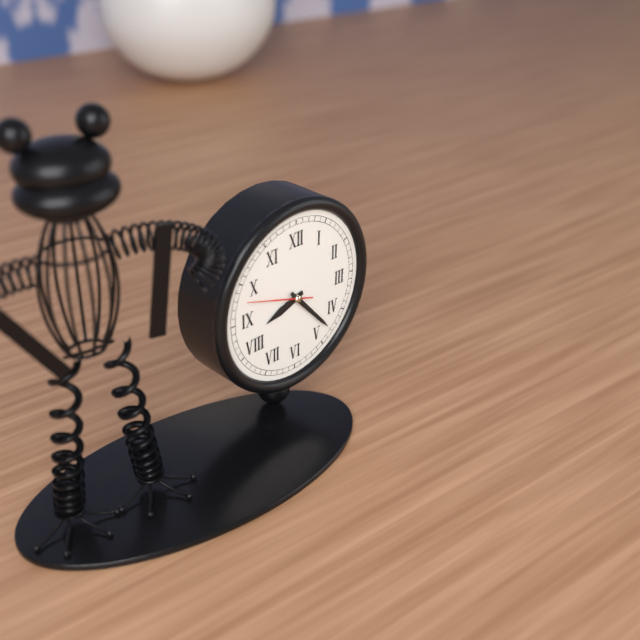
8:23
